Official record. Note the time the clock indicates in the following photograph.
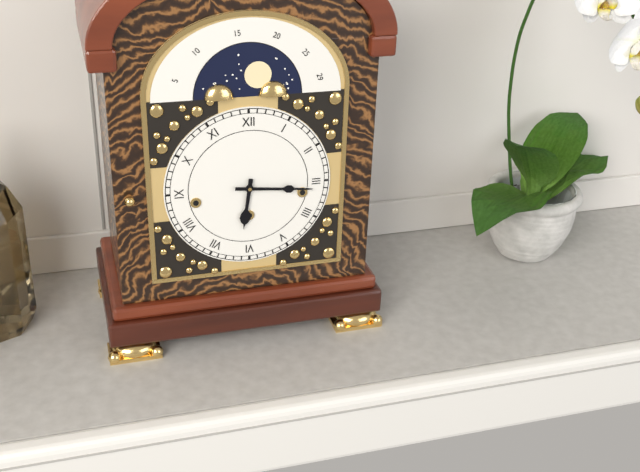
6:16
